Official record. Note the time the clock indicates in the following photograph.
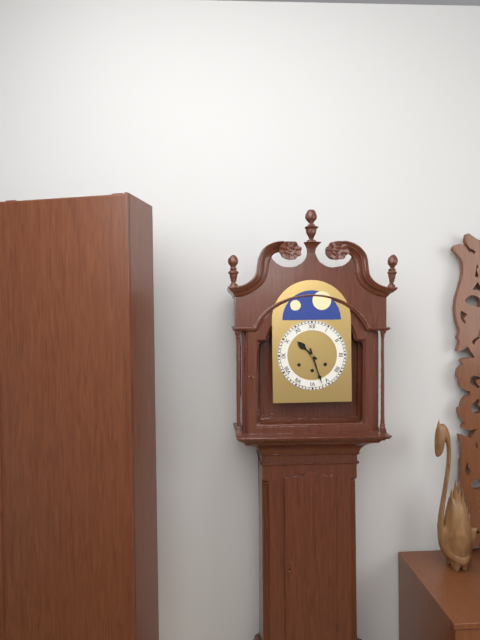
10:27
